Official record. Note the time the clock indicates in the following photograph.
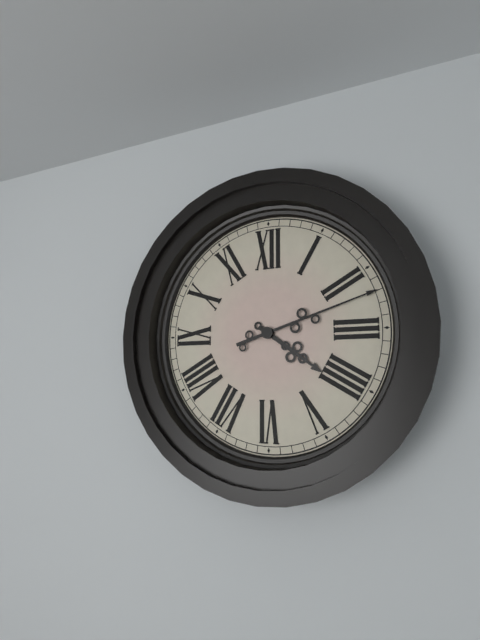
4:12
